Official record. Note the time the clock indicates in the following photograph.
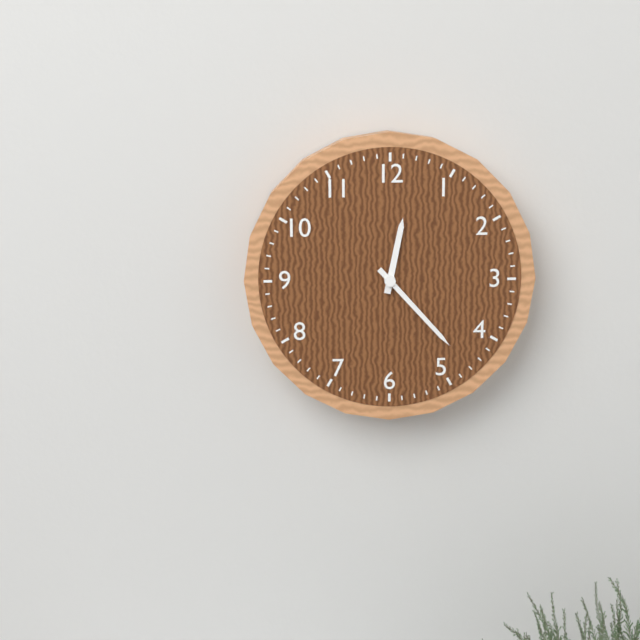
12:23
